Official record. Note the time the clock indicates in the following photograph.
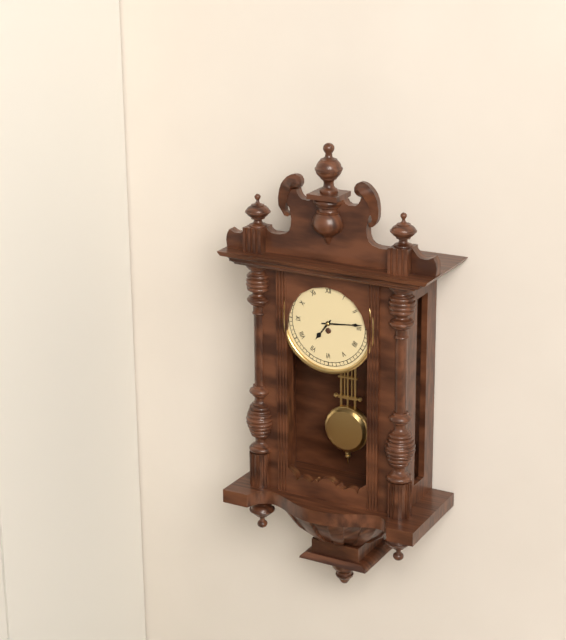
7:14
